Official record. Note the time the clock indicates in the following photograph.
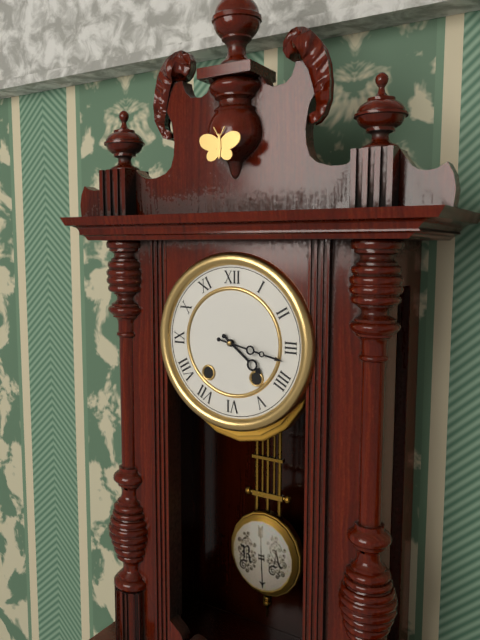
4:17
